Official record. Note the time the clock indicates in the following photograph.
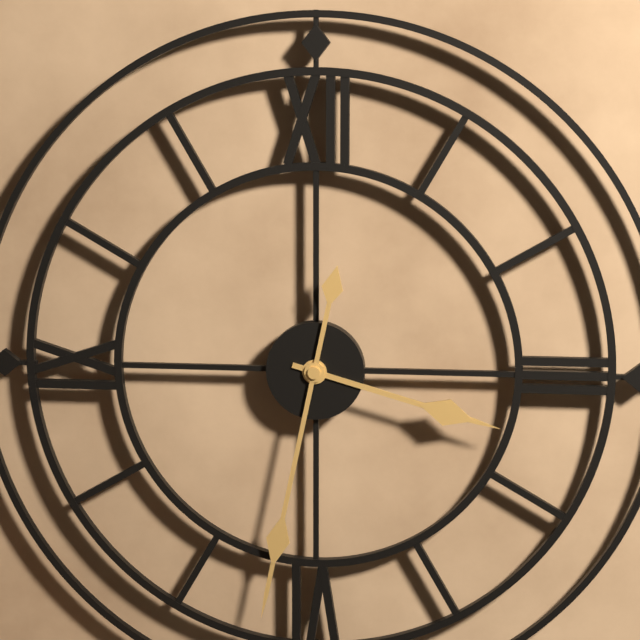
3:32
